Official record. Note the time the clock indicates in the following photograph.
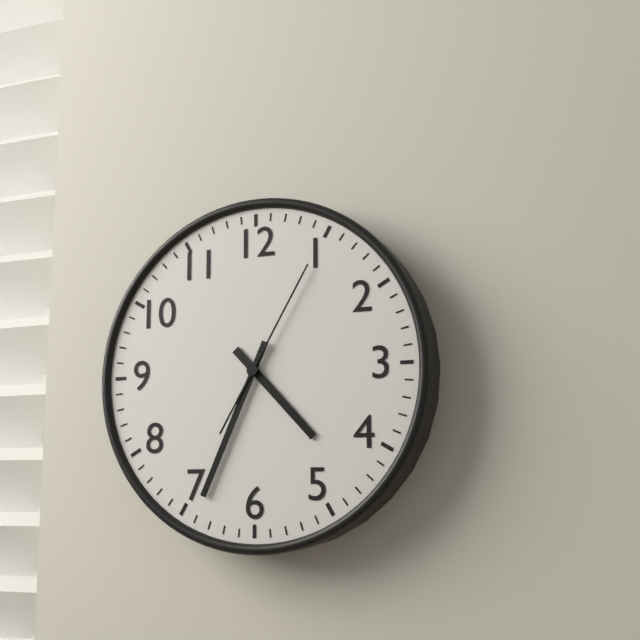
4:34:05
